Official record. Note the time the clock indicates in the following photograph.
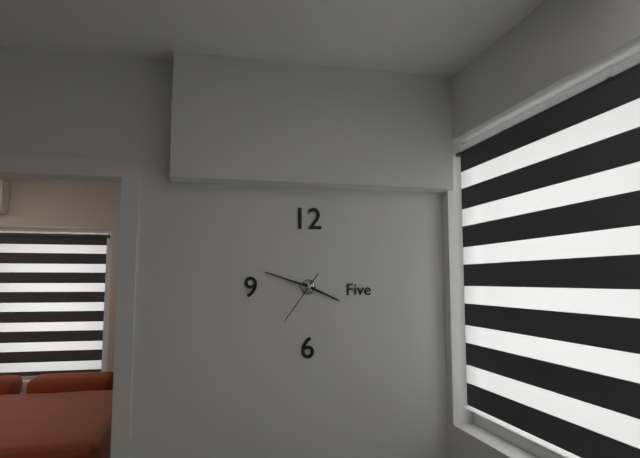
3:48:36
